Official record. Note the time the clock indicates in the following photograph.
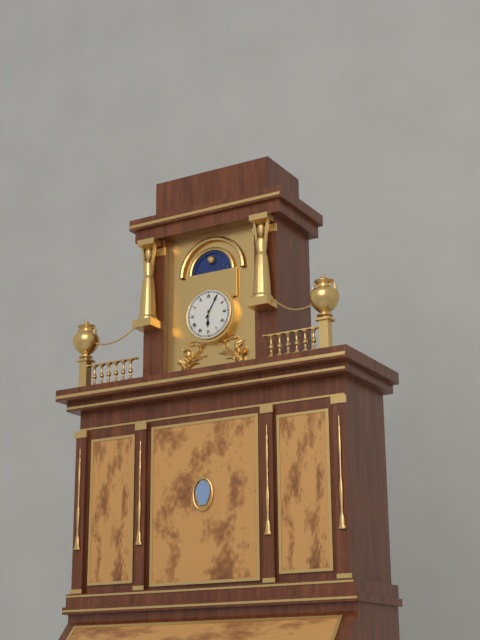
6:05
